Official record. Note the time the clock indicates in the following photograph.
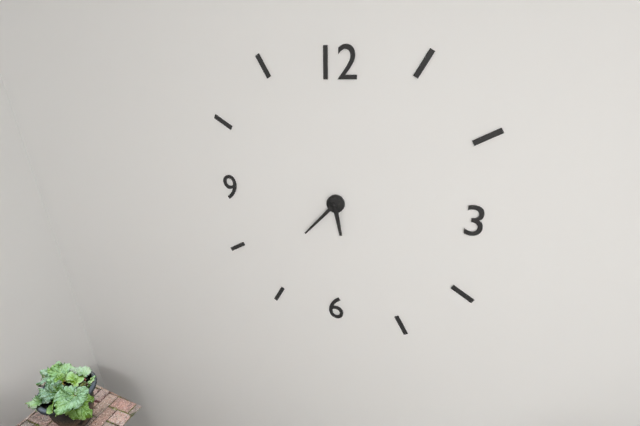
5:37
